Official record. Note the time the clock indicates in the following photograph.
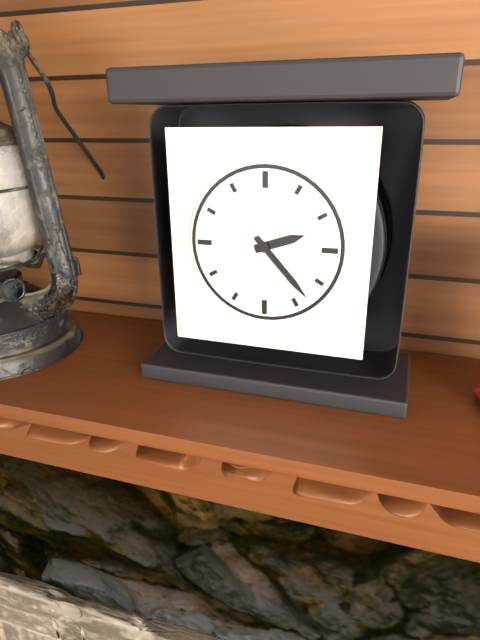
2:23
